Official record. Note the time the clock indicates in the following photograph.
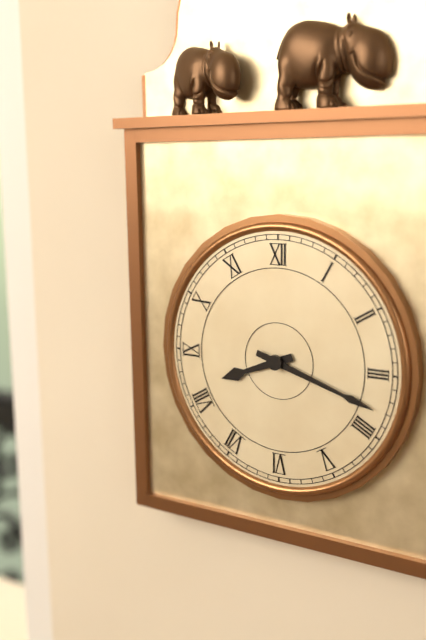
8:18
